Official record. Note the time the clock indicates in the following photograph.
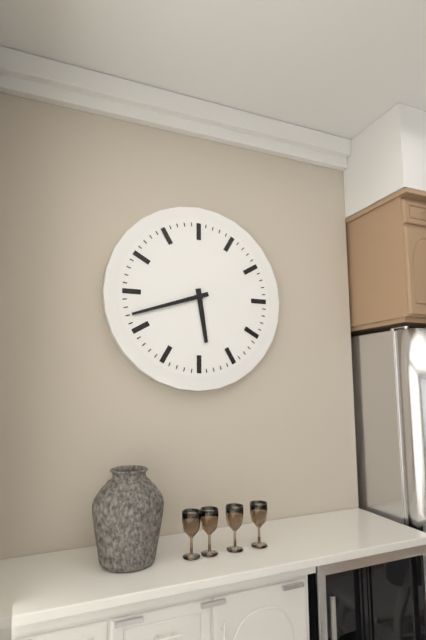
5:42
